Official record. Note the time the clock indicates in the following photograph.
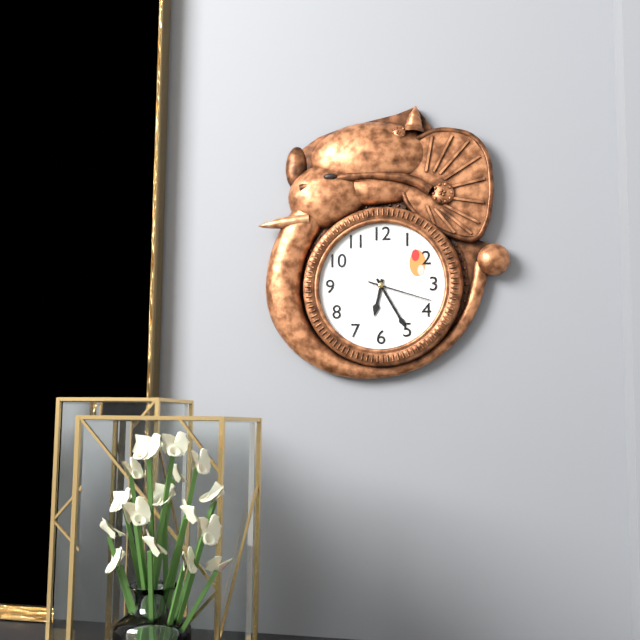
6:25:18
